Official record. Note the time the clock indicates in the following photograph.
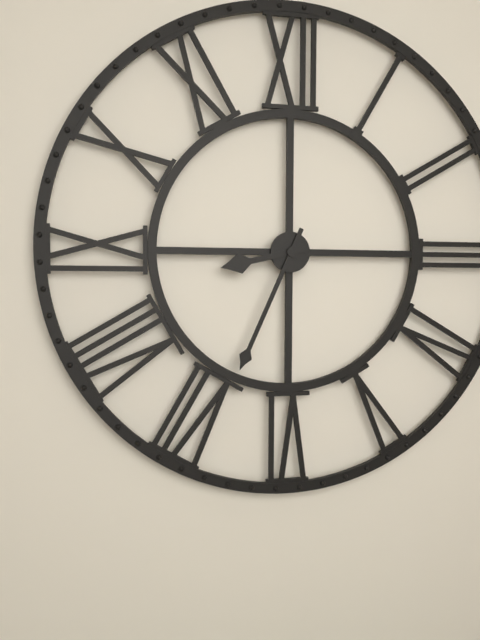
8:34
